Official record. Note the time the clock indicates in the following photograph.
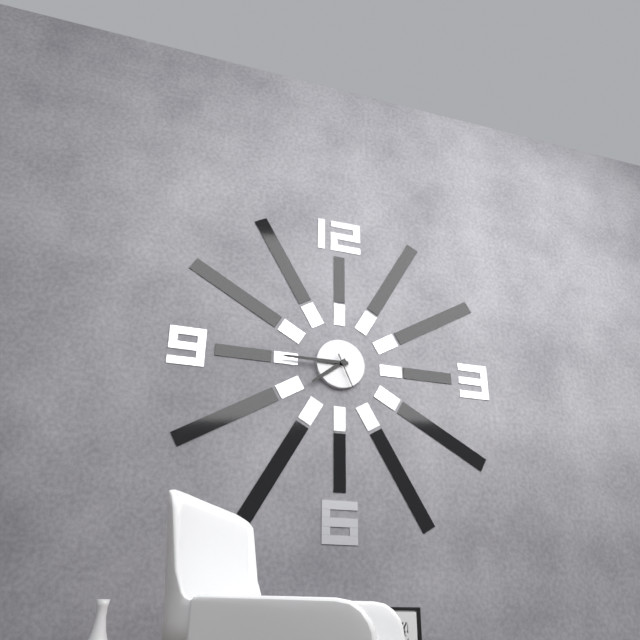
7:45
